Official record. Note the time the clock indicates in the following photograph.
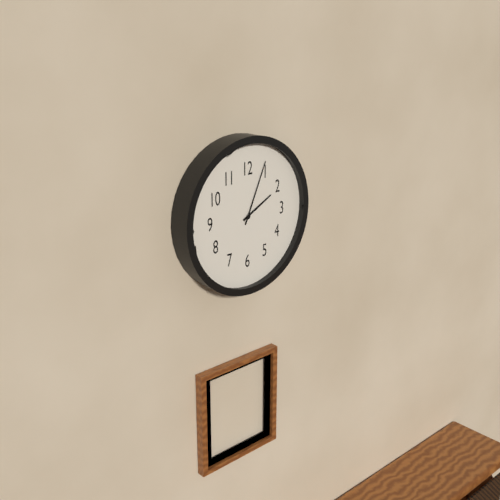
2:04
